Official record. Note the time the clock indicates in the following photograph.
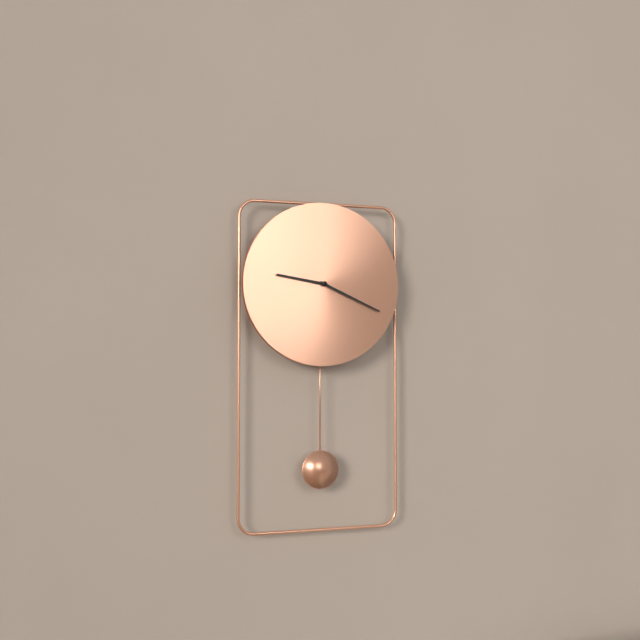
9:19
